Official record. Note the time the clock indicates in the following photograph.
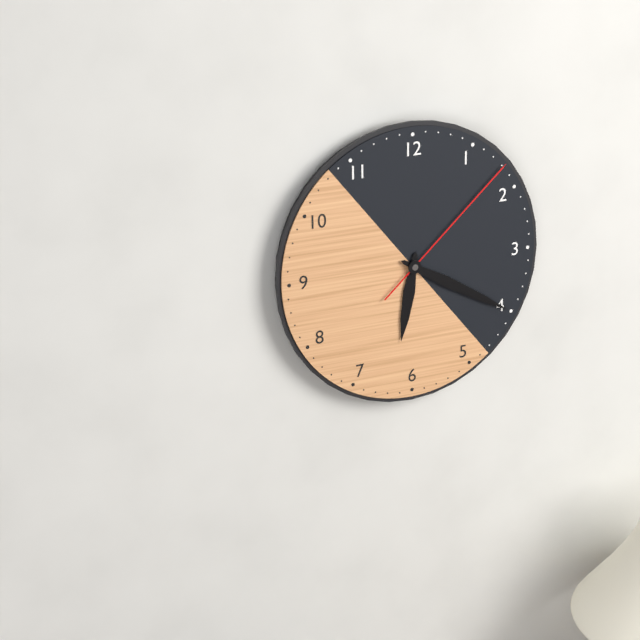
6:20:08
